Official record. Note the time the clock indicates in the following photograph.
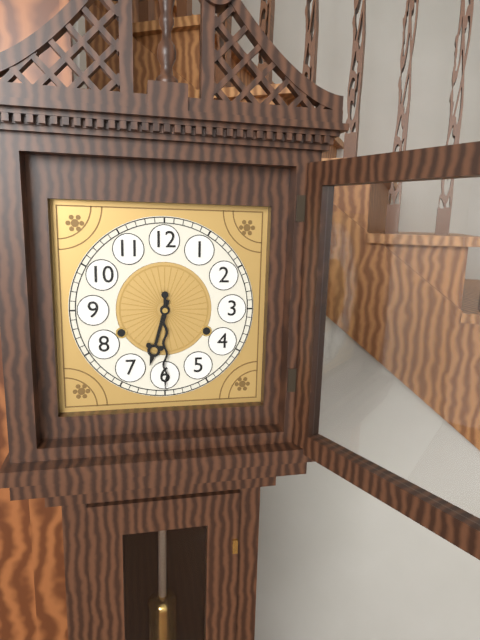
6:30
